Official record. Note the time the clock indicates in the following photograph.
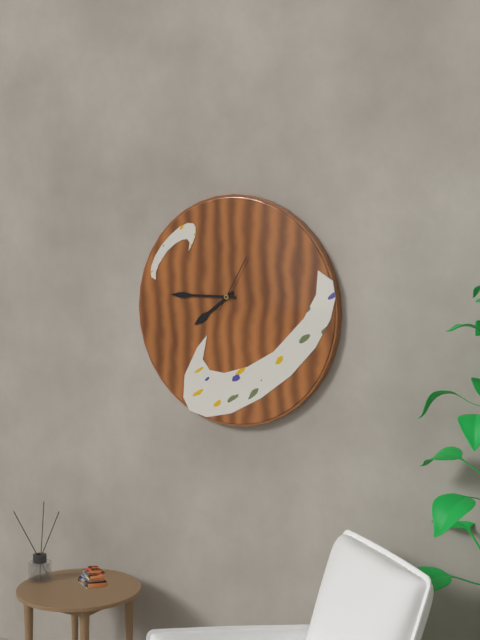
7:45:05
